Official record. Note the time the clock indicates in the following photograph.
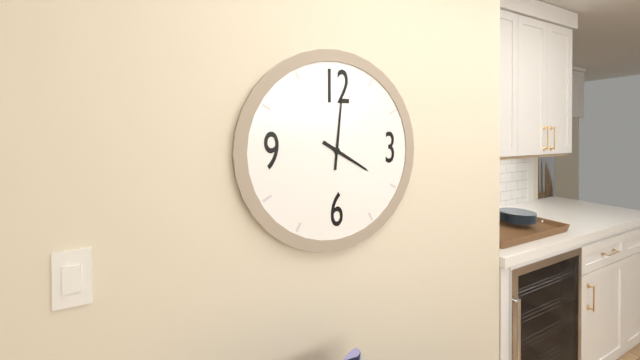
4:01
